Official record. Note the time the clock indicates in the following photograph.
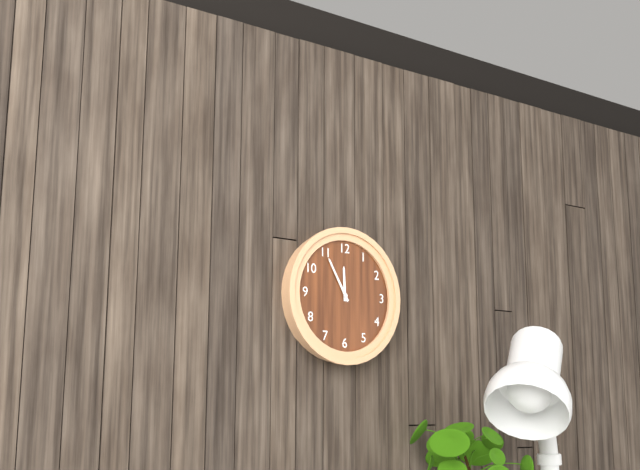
11:55
